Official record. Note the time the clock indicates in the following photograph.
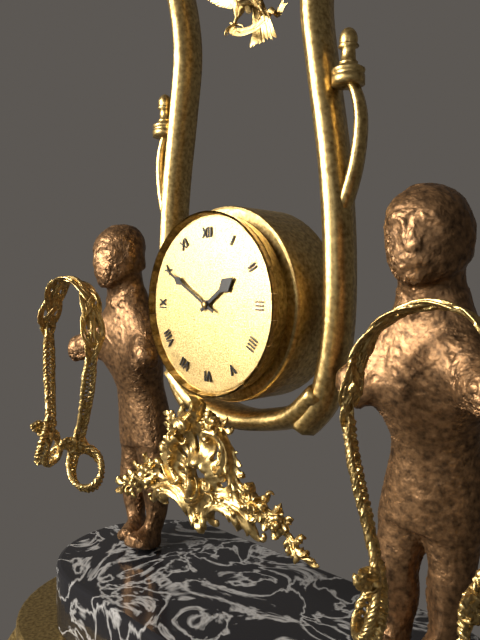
1:50
